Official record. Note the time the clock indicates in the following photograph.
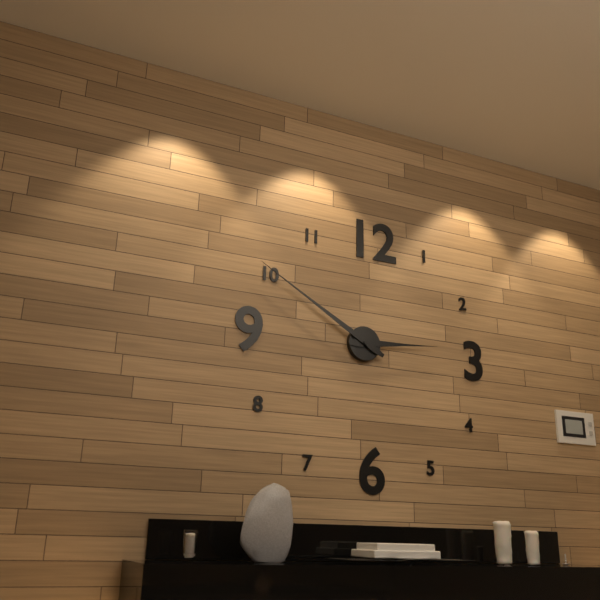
2:50
